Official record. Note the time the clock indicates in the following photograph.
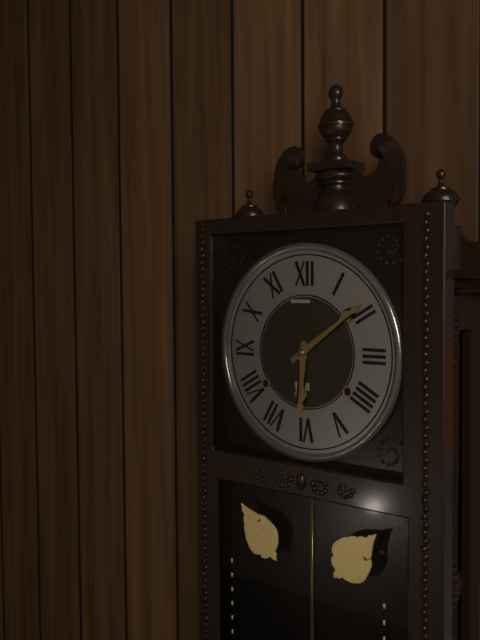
6:09
